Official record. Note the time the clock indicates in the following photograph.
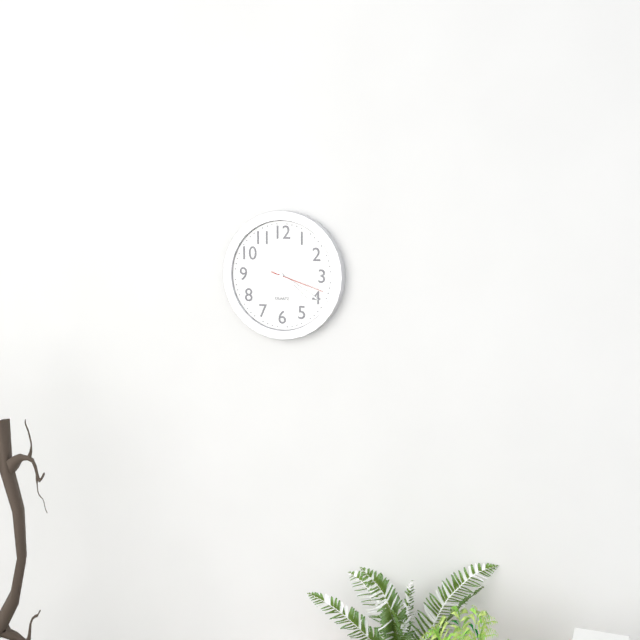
4:20:18
